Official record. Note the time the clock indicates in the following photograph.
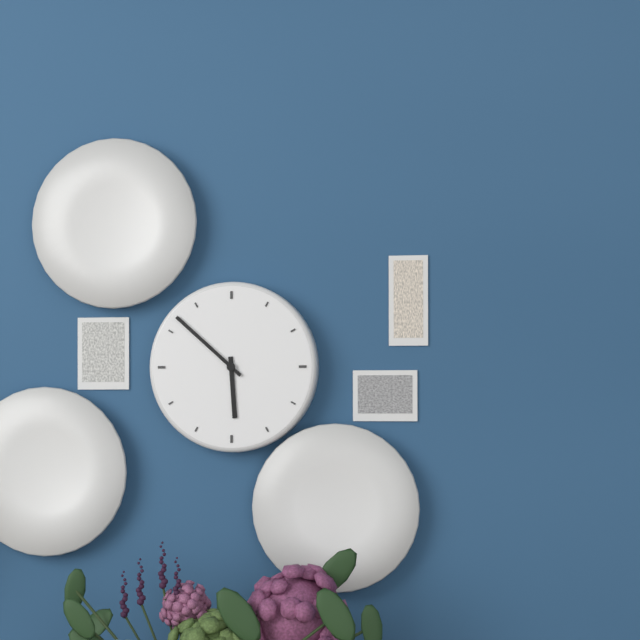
5:52
